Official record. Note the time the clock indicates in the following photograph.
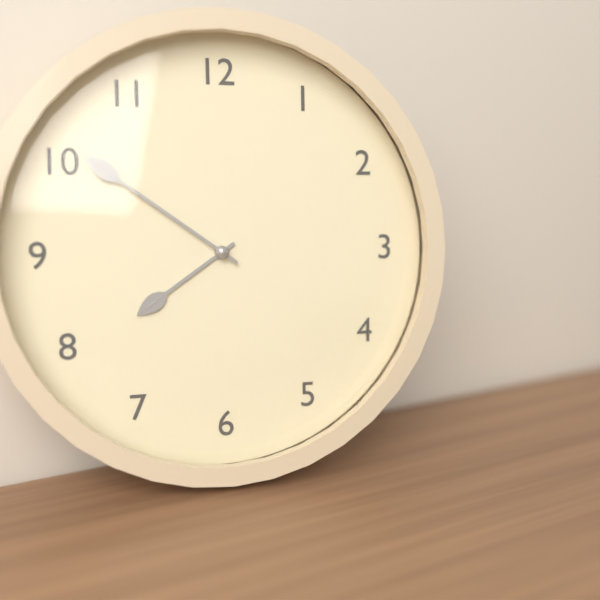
7:51
